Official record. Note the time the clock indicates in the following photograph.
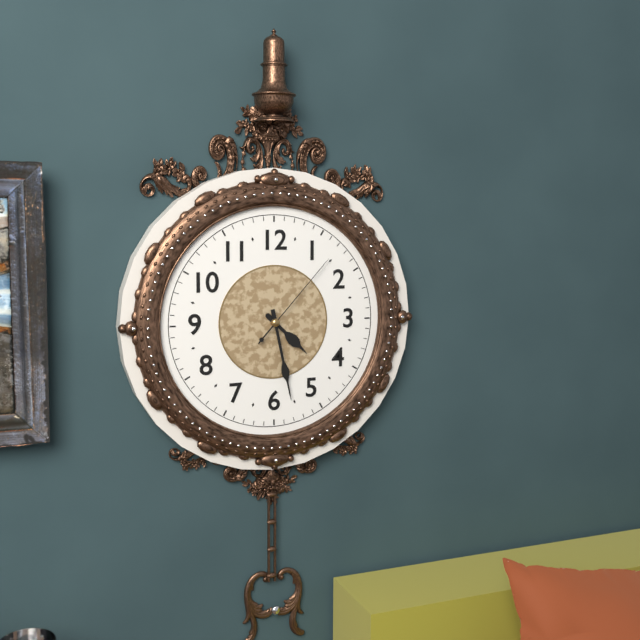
4:28:07
